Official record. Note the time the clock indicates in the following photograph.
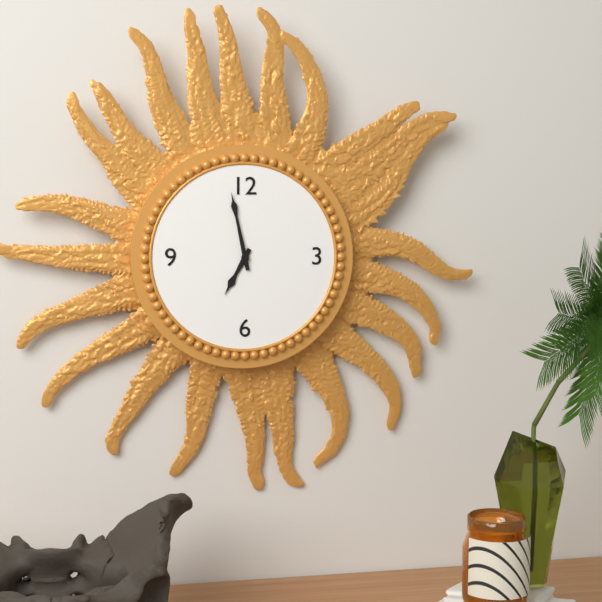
6:58
